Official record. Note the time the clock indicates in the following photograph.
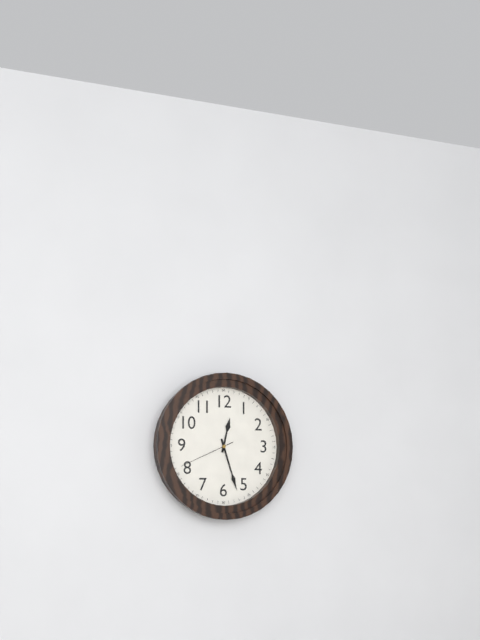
12:27:41
